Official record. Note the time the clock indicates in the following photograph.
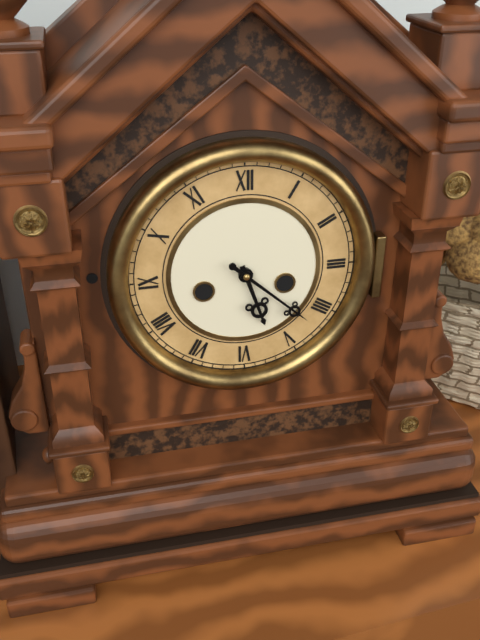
5:22
